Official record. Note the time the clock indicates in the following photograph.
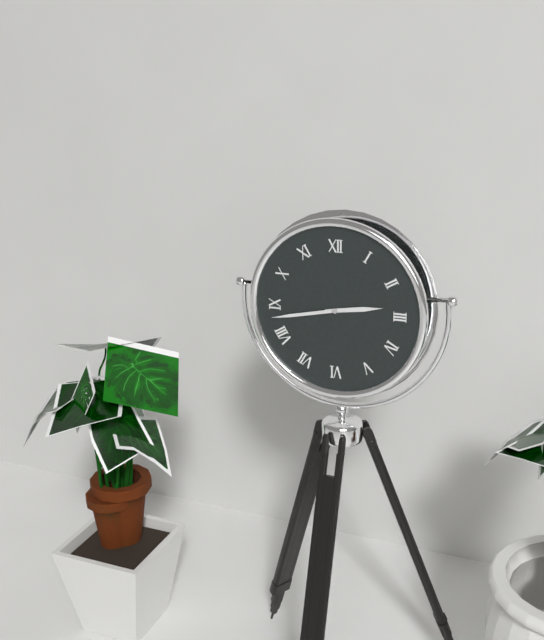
2:43
